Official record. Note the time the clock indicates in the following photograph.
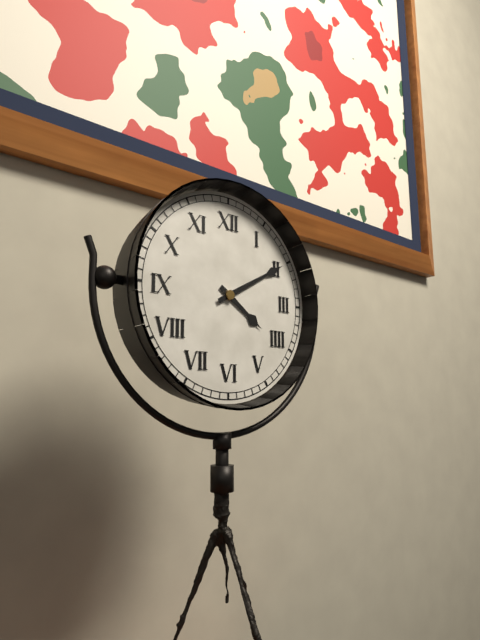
4:10
